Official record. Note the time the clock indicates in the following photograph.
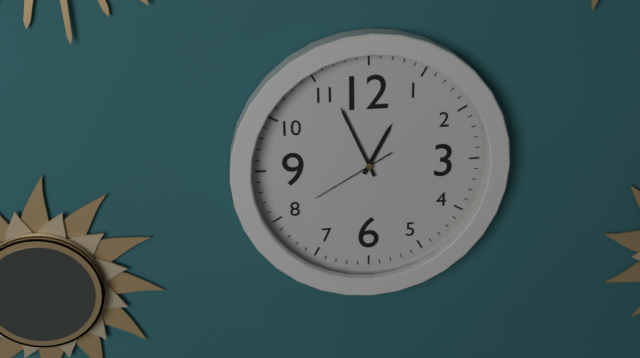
12:56:40
